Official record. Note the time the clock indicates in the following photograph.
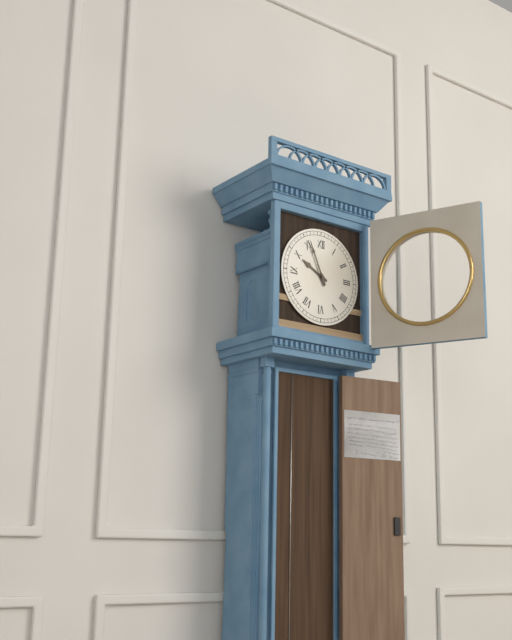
9:56
